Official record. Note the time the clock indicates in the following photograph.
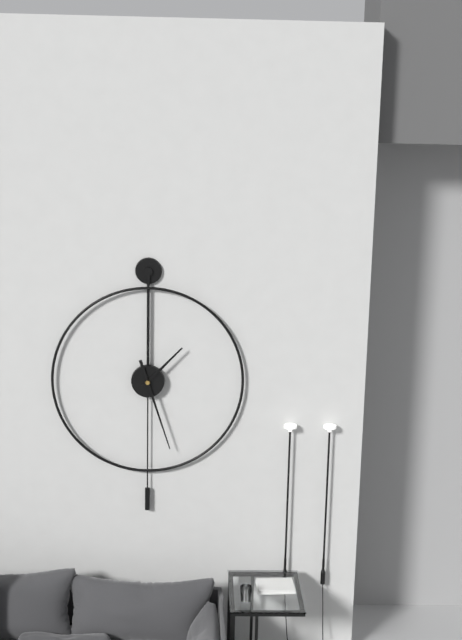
1:27
